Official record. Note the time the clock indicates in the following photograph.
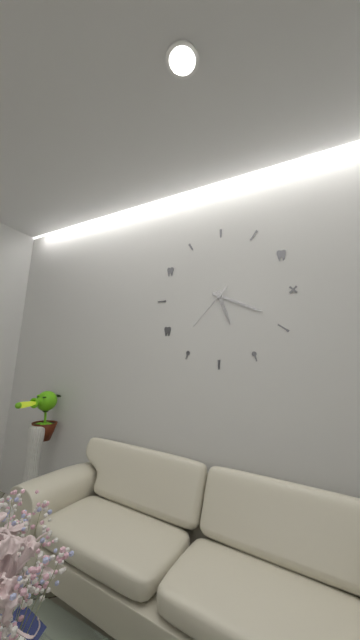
5:19:37
